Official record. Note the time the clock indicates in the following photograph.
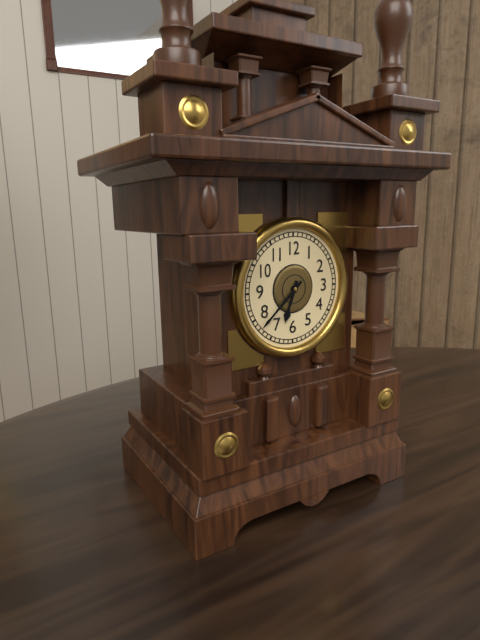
6:38
